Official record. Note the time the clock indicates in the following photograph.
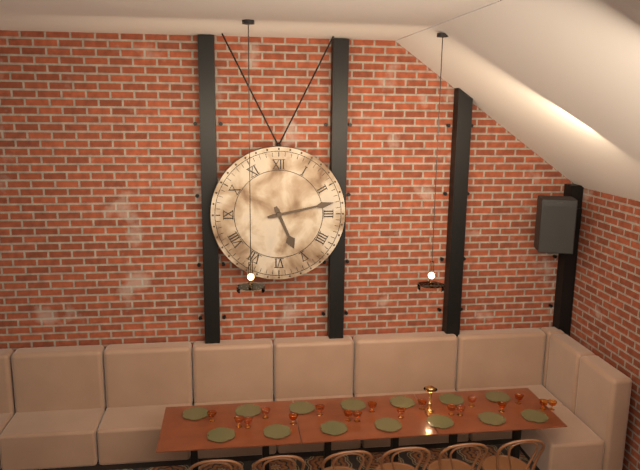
5:13
